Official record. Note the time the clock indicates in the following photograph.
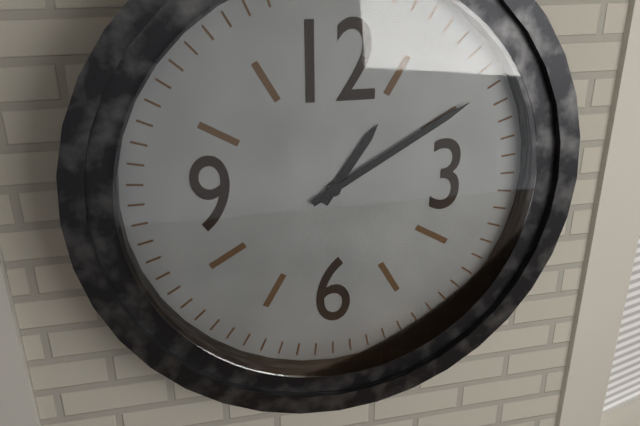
1:10
